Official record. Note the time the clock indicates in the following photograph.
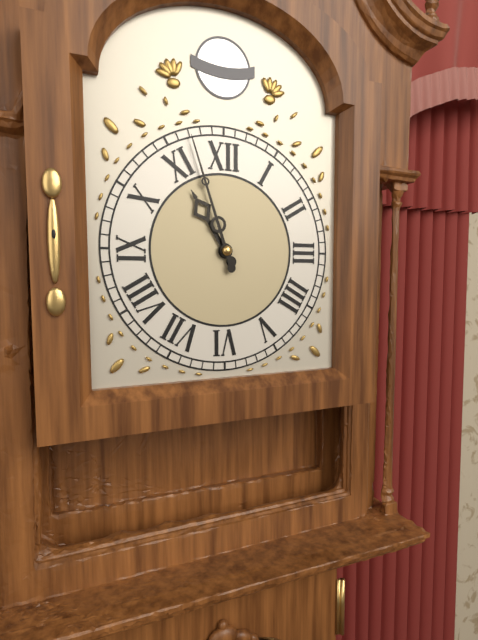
10:57
